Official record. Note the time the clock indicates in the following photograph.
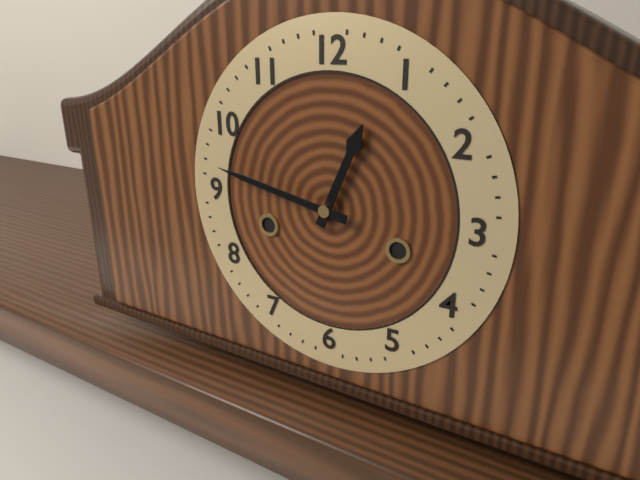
12:47
